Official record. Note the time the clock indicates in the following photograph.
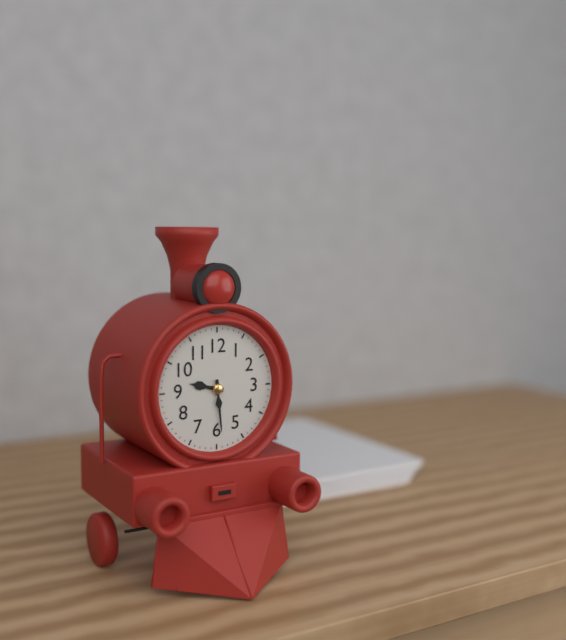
9:29
